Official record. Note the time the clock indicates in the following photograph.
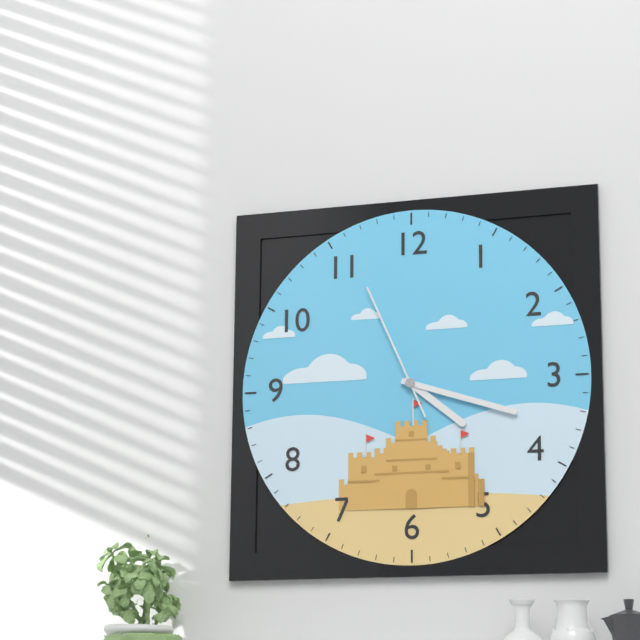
4:18:56
